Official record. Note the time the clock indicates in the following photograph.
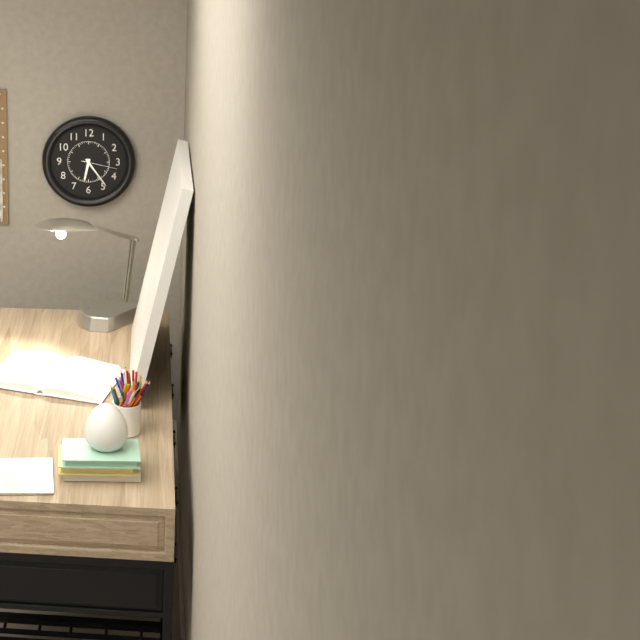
6:24
